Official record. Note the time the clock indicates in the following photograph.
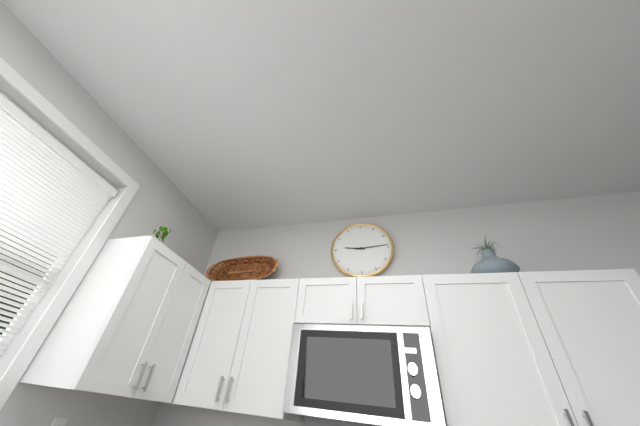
9:14
